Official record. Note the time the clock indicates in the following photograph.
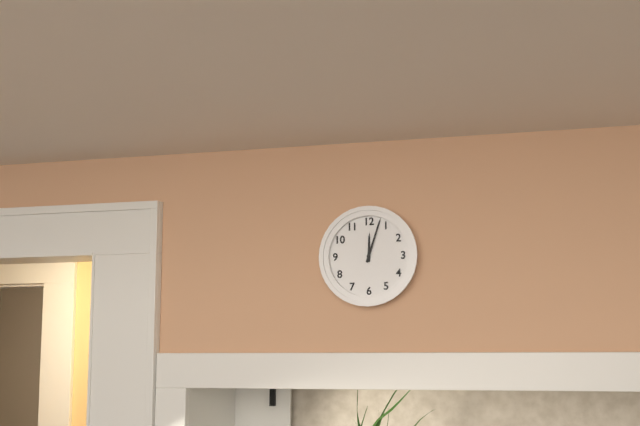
12:03
